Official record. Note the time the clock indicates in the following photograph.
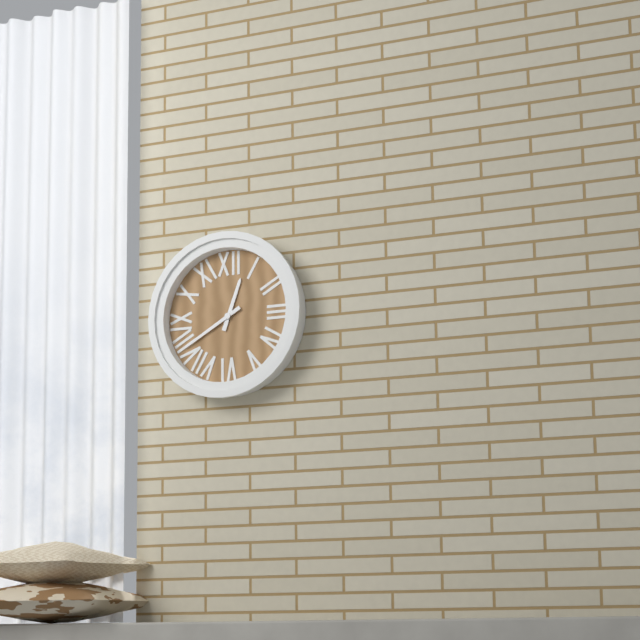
12:40
